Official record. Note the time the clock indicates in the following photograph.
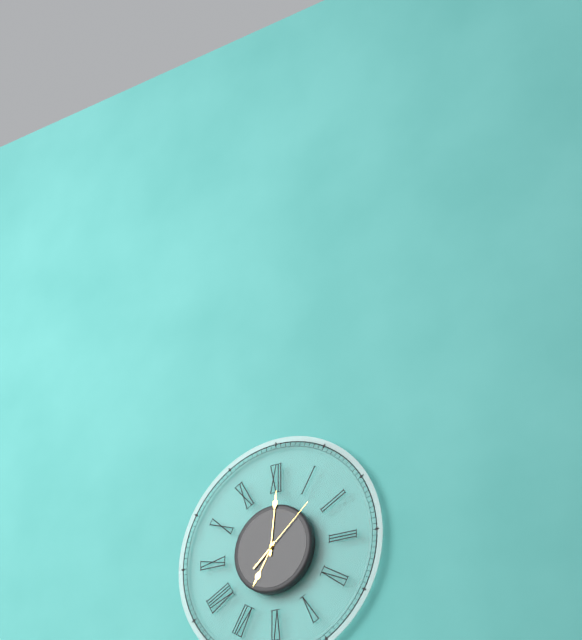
7:01:08
